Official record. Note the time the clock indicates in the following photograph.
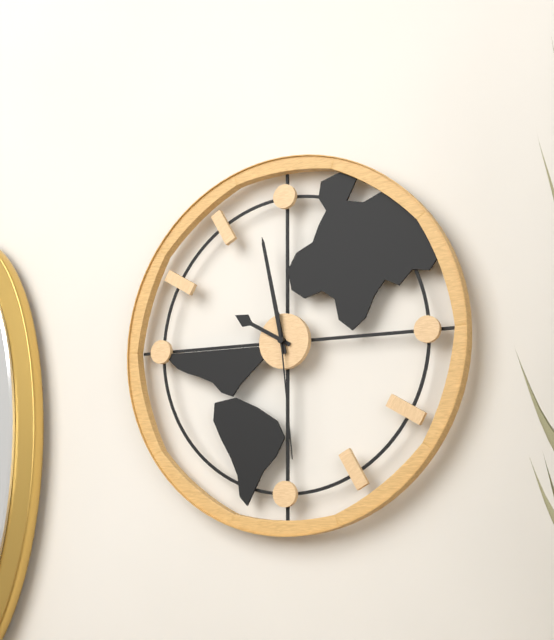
9:58:29
